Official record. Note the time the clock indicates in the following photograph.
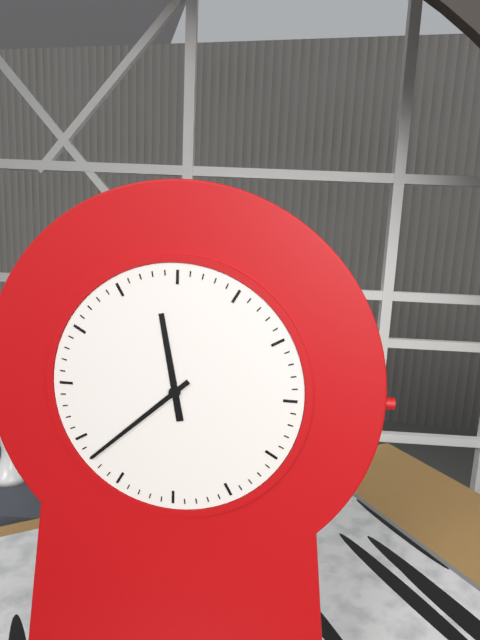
11:38
